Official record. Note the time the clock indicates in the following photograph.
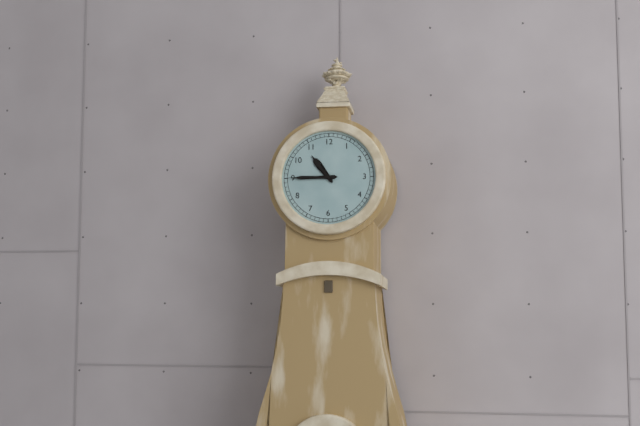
10:45
